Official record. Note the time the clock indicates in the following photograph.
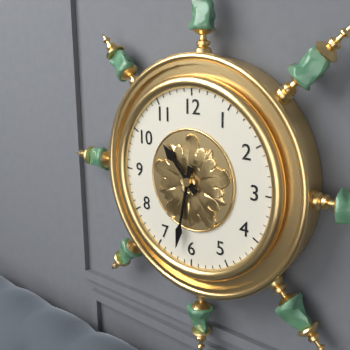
10:32
